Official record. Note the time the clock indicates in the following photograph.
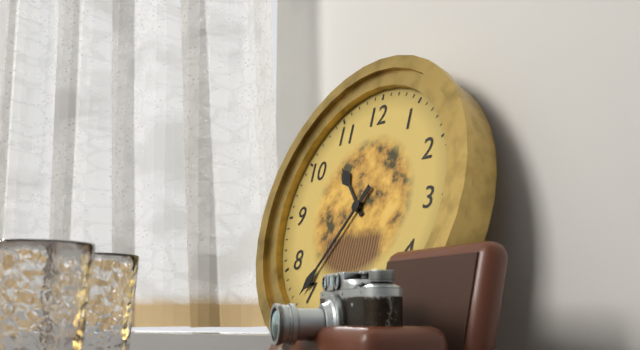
10:36
